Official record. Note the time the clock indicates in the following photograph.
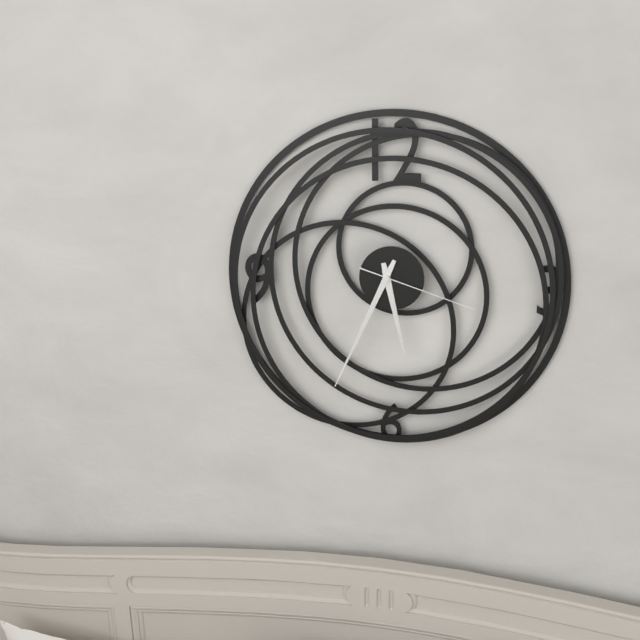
5:34:18
